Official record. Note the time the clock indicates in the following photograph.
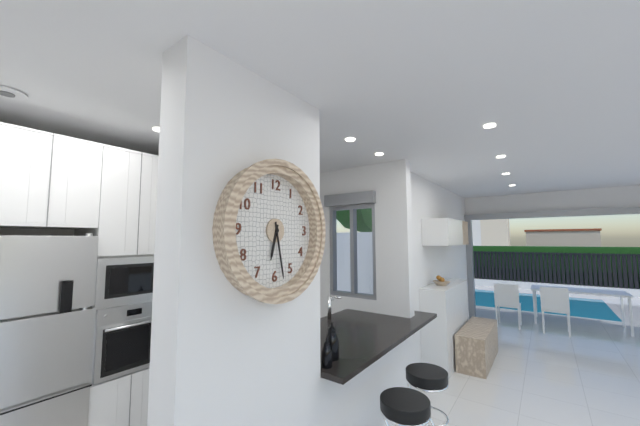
6:28
